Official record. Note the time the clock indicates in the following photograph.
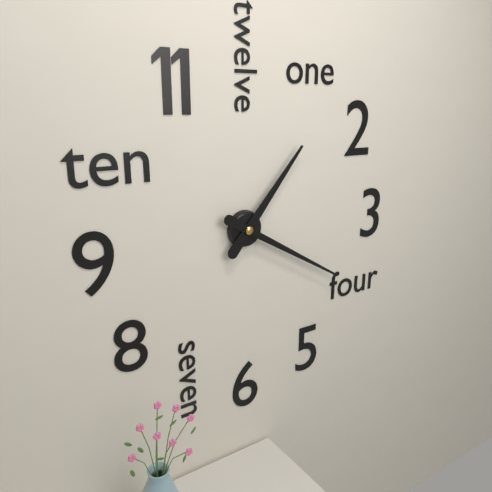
1:20
